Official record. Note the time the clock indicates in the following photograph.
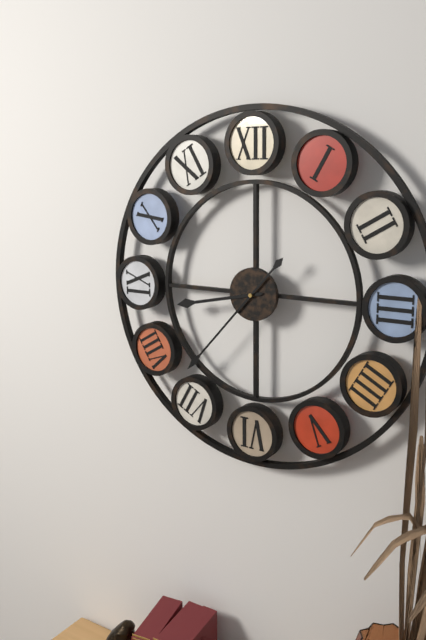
8:37
